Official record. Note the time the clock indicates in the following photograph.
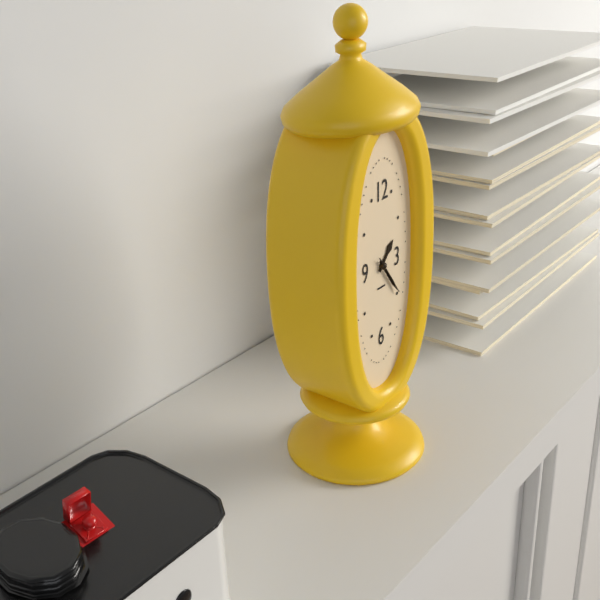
1:24
